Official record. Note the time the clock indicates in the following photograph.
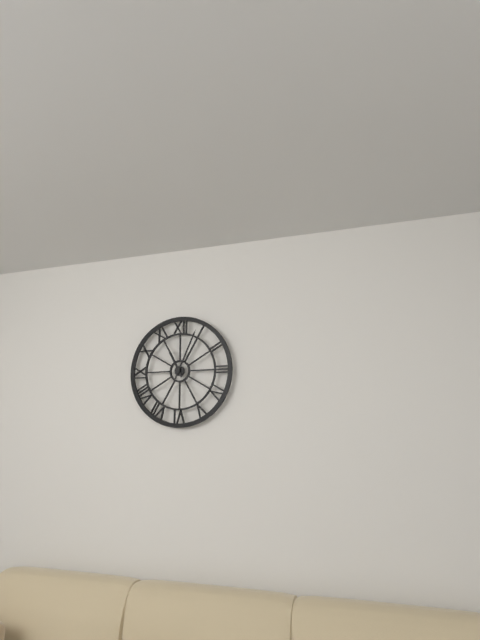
11:04
